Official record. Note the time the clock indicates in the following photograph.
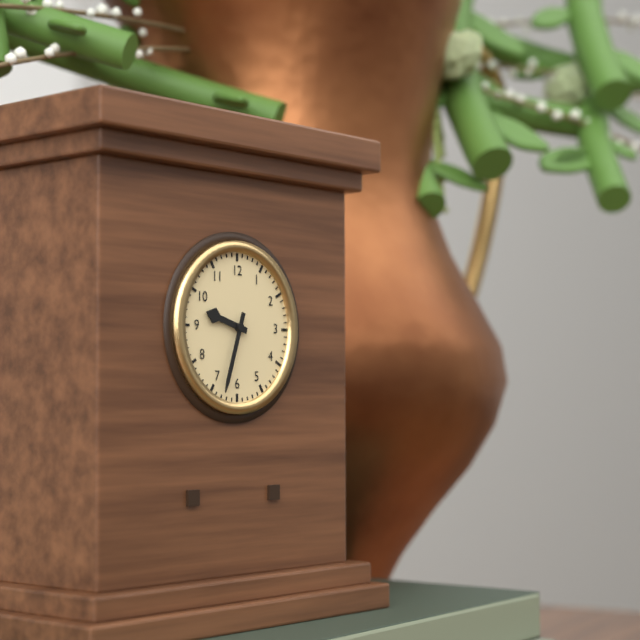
9:33
